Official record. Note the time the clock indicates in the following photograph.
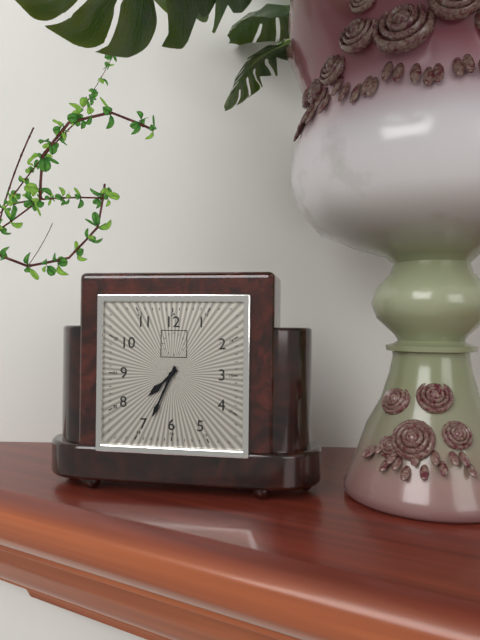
7:34
